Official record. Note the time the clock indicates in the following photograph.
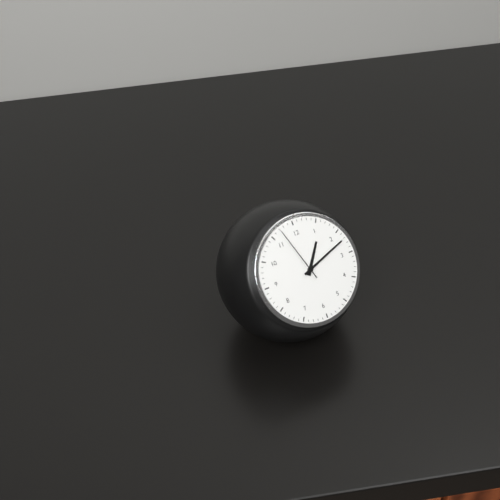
1:12:57
